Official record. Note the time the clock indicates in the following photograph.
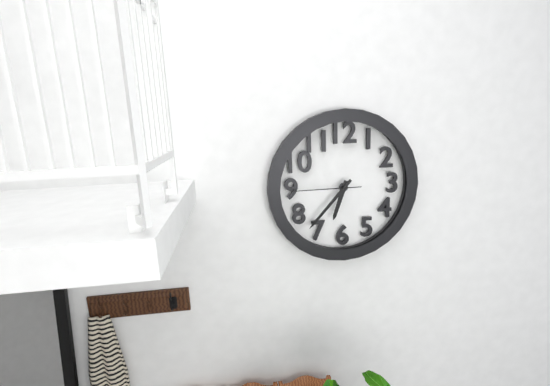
6:37:45
